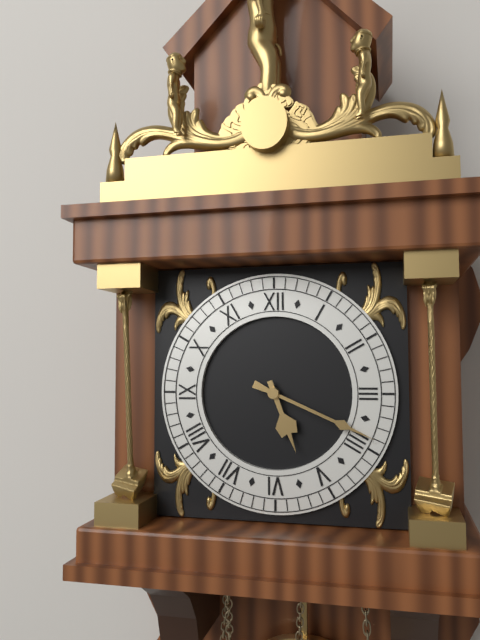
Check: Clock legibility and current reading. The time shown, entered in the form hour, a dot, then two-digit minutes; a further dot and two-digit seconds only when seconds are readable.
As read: 5.19
